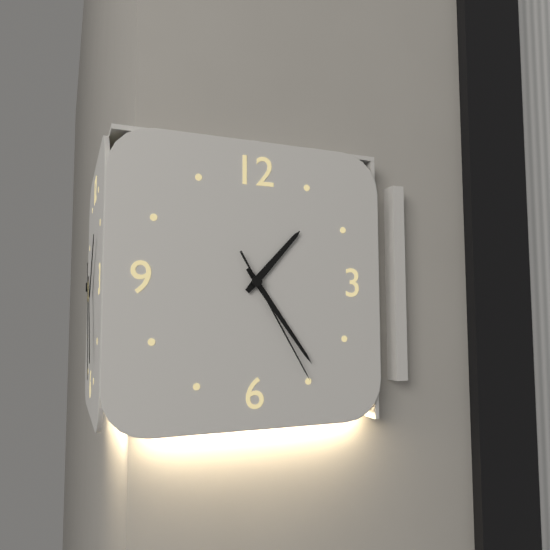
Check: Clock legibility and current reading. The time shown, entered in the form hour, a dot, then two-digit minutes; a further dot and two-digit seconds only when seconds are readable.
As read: 1.24.25
